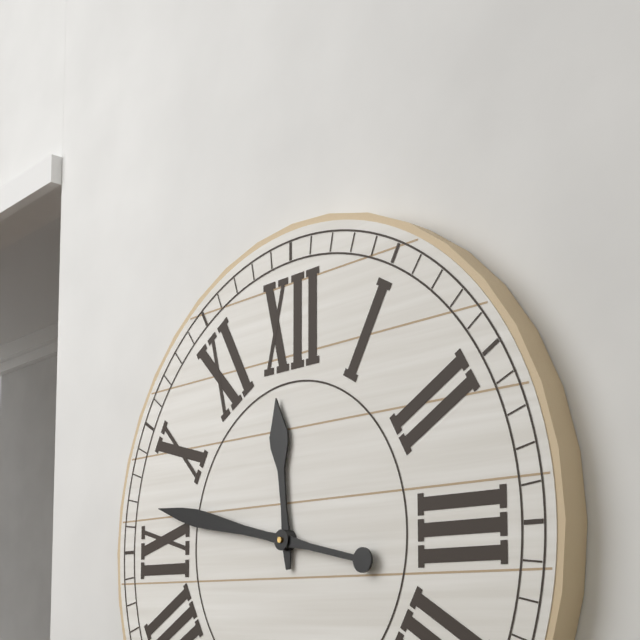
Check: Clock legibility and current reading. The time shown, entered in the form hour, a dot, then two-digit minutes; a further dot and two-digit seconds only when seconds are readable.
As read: 11.47
